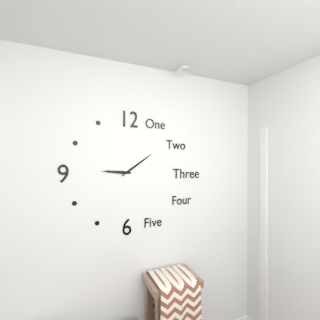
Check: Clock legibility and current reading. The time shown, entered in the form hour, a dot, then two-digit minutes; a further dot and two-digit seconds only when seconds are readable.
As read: 9.09
